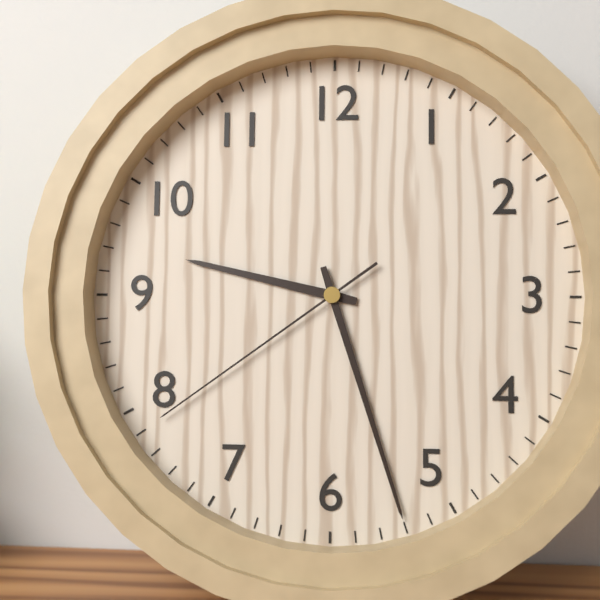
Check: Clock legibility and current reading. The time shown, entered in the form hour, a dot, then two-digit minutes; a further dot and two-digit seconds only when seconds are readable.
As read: 9.27.39
